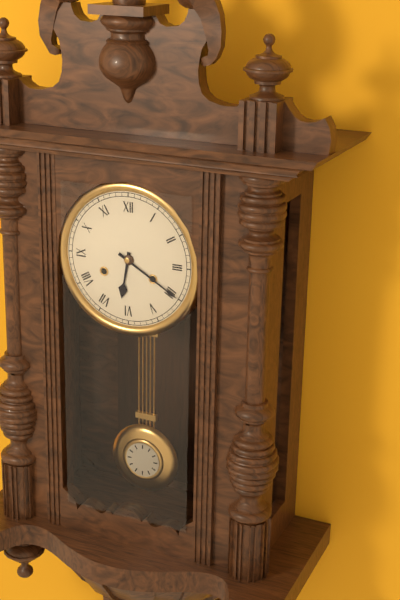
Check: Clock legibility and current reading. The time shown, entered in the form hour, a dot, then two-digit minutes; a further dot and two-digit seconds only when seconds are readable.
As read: 6.20
